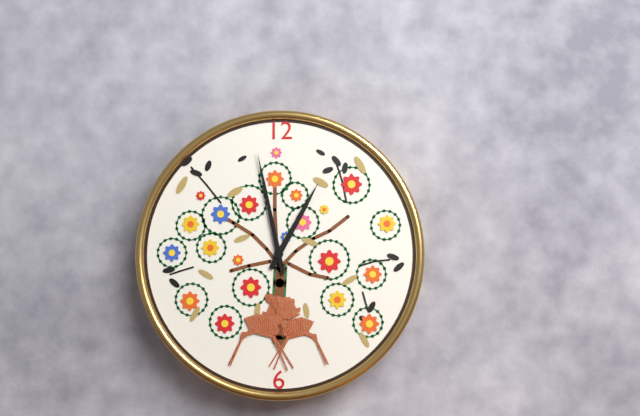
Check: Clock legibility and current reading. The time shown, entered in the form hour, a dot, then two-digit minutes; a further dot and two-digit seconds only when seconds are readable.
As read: 12.58
